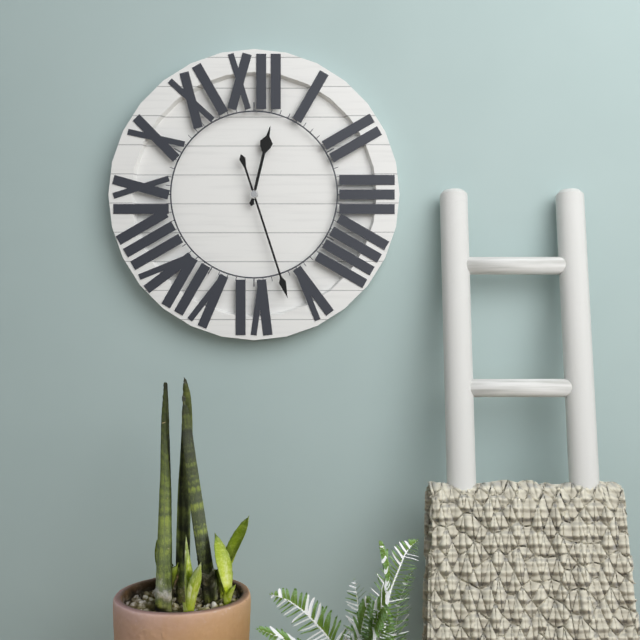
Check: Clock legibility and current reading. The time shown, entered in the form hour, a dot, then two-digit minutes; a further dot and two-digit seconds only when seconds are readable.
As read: 12.27
